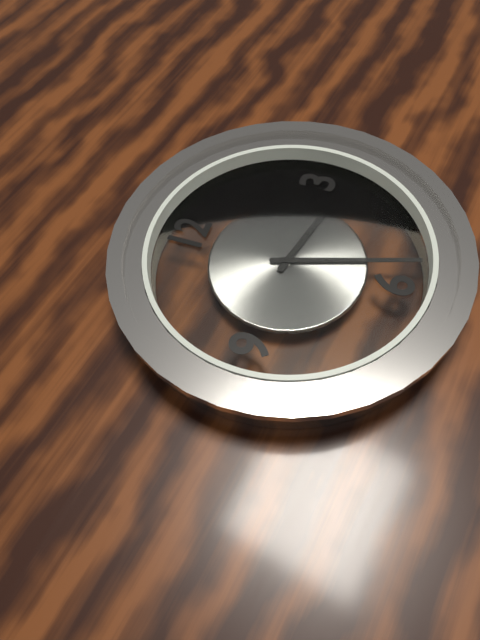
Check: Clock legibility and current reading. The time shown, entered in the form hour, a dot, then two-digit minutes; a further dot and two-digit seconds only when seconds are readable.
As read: 3.27
